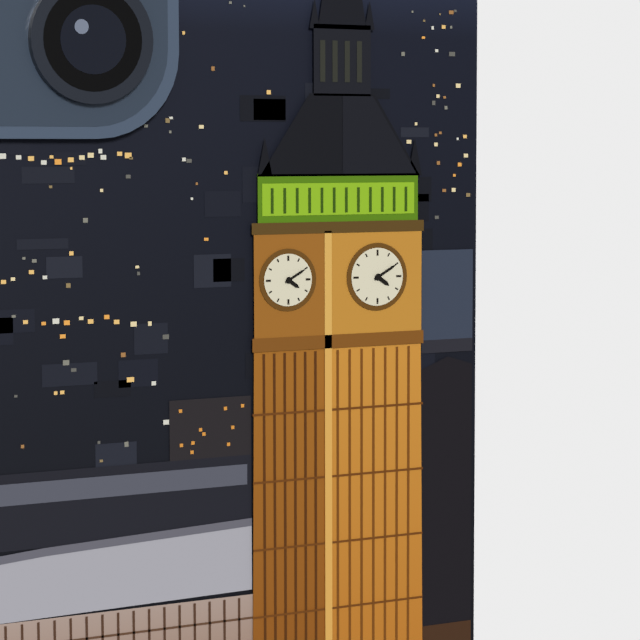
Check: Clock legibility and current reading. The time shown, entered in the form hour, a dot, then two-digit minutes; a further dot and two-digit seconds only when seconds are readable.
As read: 4.10
